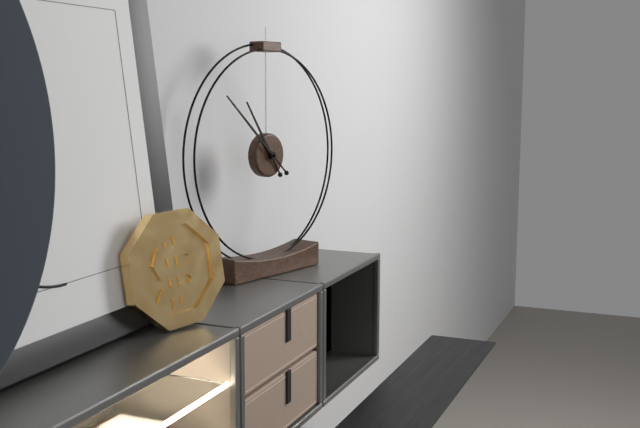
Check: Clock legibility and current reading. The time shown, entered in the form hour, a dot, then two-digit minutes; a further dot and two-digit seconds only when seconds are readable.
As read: 10.52
